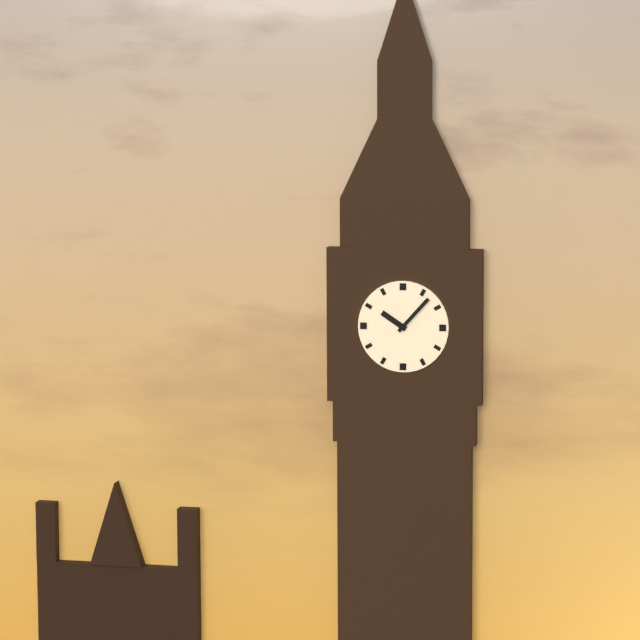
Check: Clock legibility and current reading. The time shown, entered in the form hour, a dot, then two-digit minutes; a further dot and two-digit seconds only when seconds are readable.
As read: 10.07
